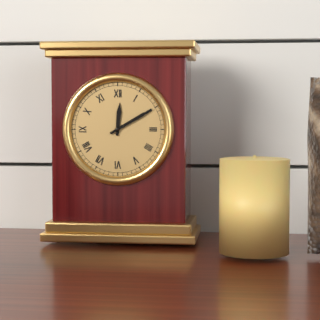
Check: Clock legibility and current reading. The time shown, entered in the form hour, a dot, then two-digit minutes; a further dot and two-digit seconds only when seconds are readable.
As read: 12.10
